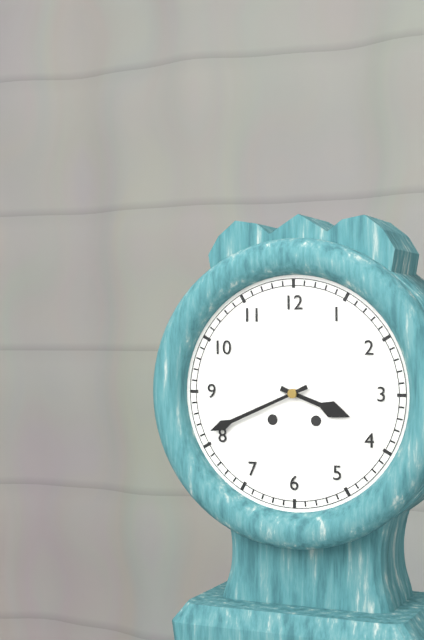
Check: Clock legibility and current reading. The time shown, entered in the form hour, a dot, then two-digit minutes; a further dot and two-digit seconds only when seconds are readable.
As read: 3.41
